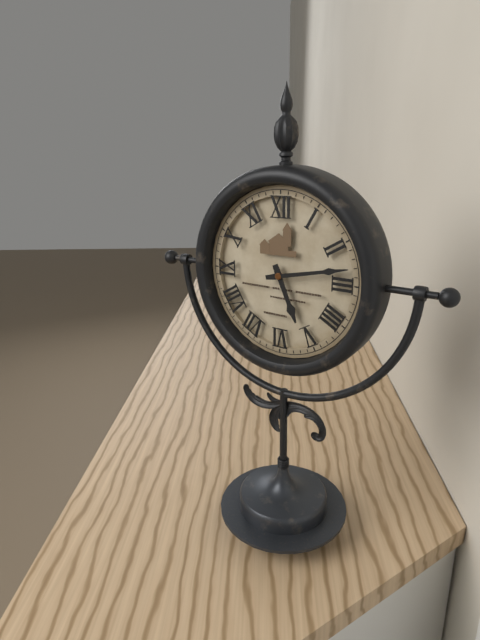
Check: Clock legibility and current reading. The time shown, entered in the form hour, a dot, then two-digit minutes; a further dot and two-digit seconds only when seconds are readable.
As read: 5.13
